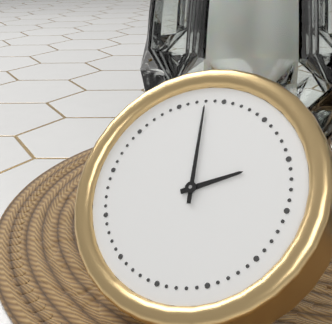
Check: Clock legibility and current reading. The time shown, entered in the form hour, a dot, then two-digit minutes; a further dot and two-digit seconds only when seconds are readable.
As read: 1.58
